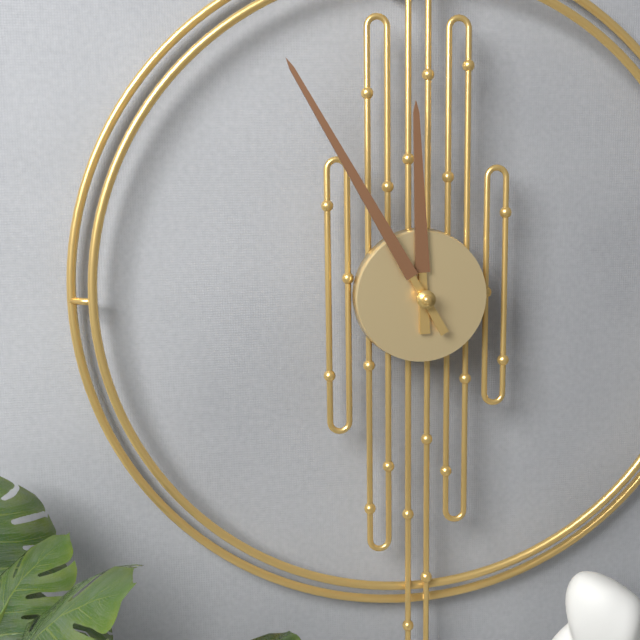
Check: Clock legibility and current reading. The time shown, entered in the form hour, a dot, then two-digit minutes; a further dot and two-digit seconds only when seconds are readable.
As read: 11.55
